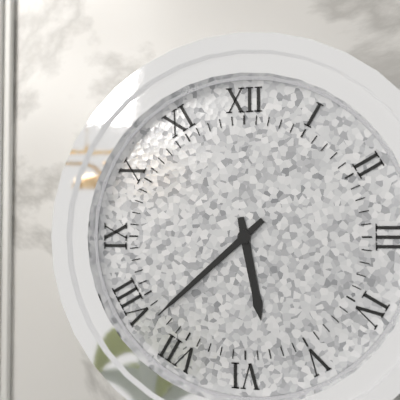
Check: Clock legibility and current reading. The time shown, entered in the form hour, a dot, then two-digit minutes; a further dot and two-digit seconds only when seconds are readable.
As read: 5.38
